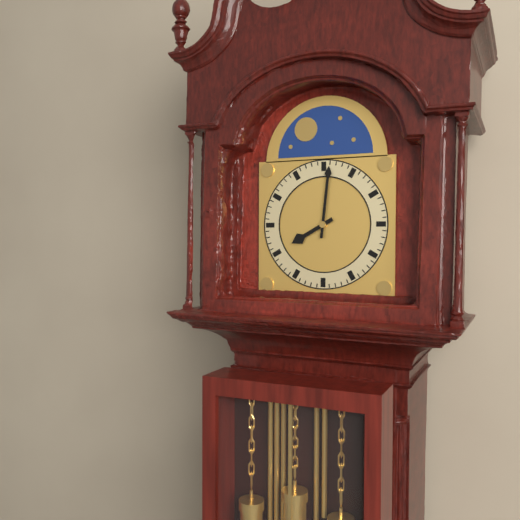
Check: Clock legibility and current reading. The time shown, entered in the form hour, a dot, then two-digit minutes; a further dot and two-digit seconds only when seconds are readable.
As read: 8.01
